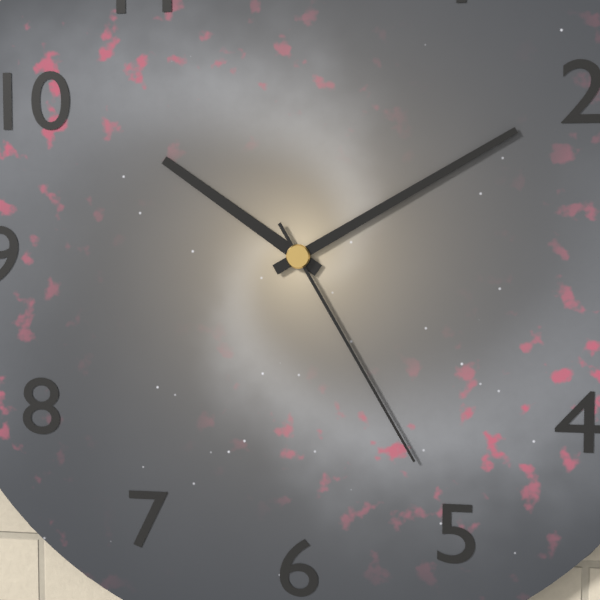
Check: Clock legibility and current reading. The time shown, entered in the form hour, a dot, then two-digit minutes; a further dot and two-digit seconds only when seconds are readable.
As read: 10.10.25
